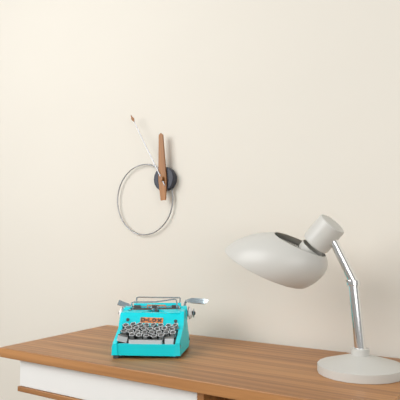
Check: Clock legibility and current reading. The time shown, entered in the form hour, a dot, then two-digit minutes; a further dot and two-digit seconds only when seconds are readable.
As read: 11.55
